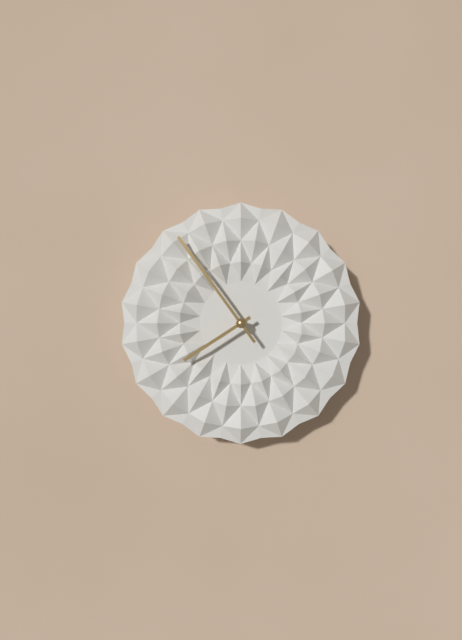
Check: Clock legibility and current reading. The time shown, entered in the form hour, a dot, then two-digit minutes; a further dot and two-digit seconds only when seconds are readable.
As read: 7.54
